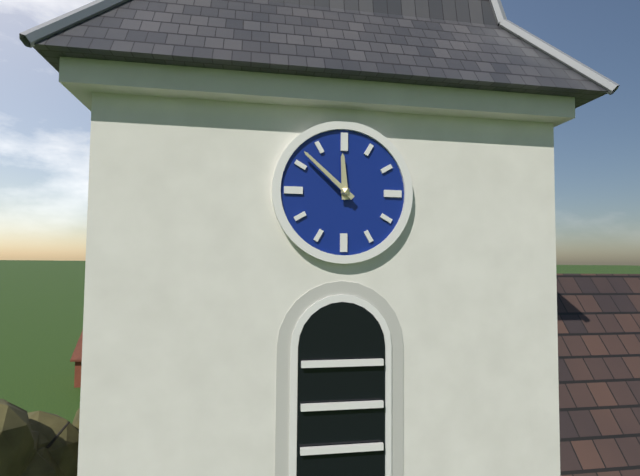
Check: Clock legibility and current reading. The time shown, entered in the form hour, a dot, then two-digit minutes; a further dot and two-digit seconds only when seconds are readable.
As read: 11.52
